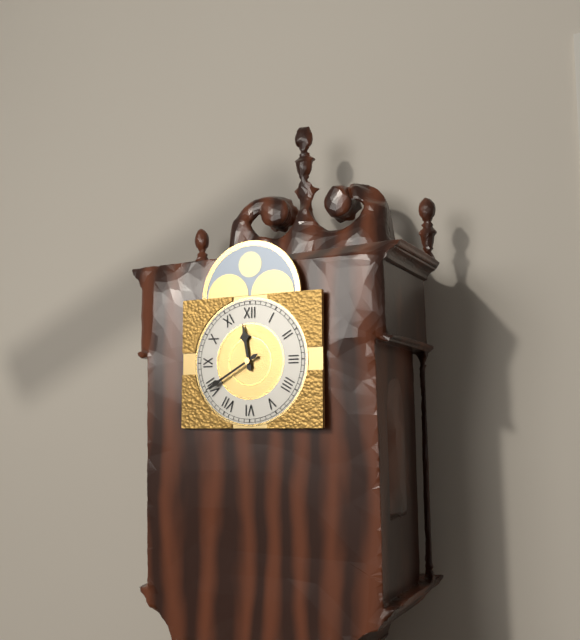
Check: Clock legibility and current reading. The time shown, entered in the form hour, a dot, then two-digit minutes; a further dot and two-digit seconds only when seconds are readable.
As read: 11.40
